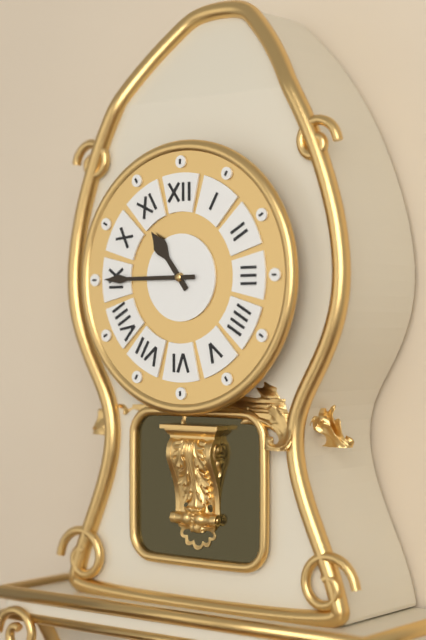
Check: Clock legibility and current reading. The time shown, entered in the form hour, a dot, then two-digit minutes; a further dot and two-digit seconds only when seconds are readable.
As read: 10.45
